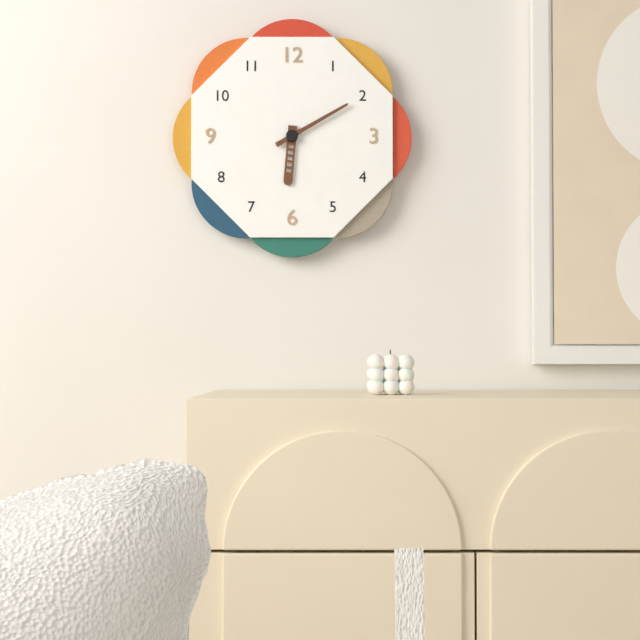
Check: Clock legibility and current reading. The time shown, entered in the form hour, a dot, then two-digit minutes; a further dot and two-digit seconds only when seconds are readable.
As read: 6.10
